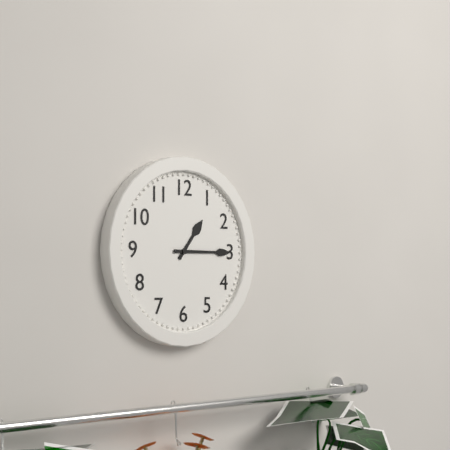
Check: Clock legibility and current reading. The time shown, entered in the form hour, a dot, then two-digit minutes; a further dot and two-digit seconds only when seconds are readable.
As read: 1.15
